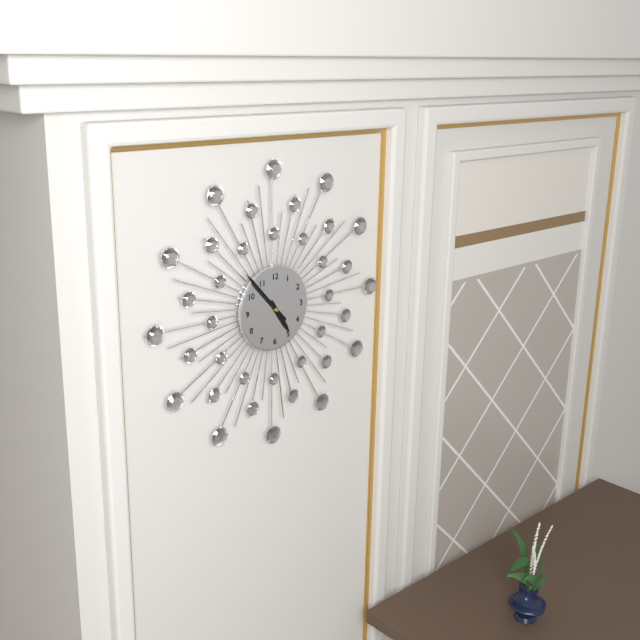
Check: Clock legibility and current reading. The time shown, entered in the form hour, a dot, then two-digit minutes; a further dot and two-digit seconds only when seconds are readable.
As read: 4.53
